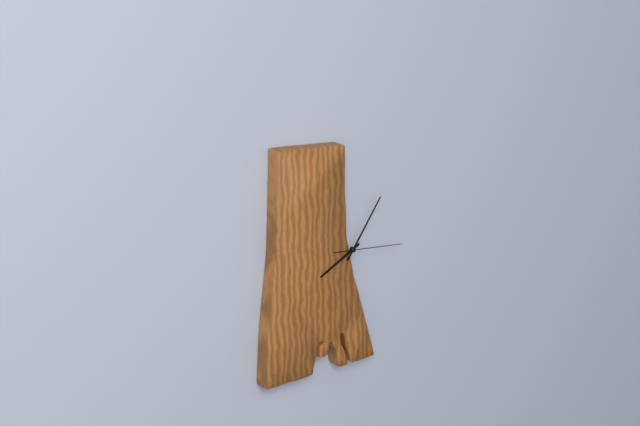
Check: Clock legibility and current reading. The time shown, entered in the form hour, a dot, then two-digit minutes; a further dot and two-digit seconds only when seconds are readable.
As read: 8.06.16
